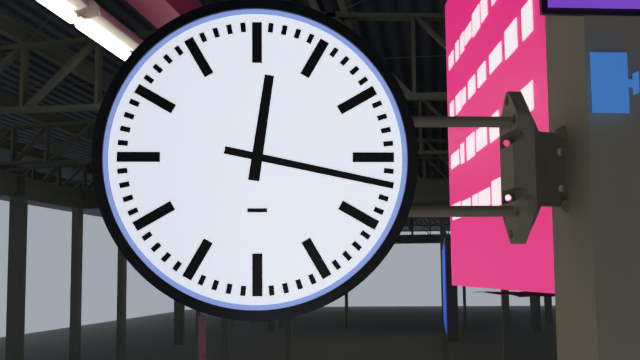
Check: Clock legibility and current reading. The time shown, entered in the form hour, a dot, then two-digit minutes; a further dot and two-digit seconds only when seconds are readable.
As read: 12.17
